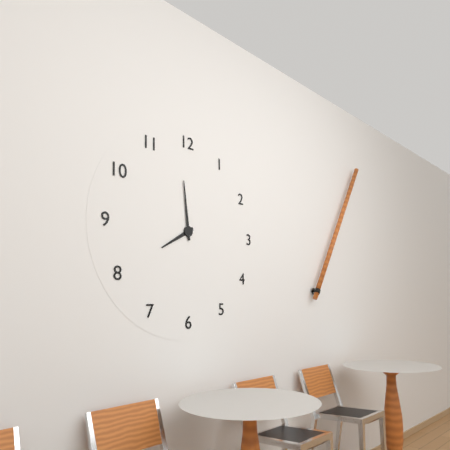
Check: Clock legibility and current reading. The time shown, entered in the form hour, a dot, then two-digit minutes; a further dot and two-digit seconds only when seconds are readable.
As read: 7.59
